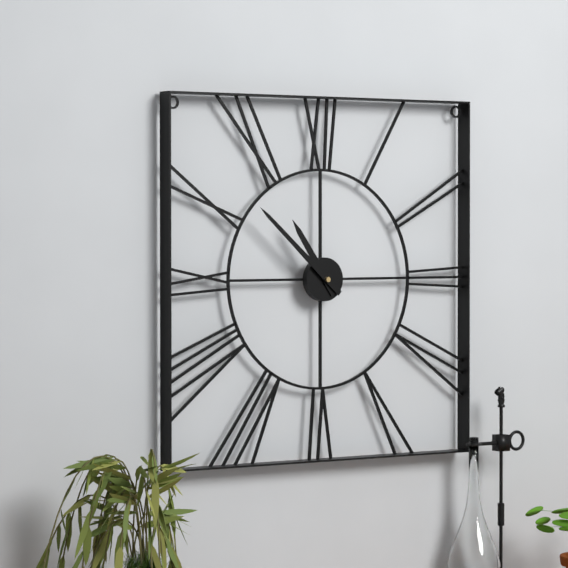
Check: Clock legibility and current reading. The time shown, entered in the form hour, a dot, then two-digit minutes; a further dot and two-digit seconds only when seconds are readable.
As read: 10.52
